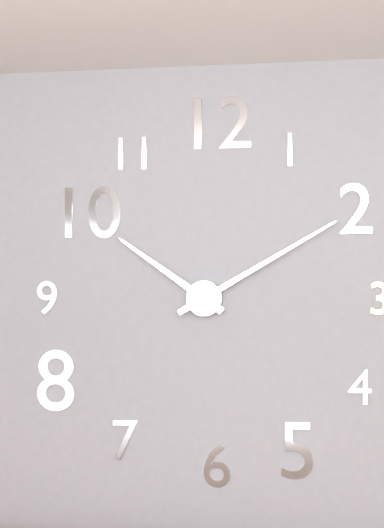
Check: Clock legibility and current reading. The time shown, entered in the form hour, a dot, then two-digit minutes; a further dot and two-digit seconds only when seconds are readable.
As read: 10.10
